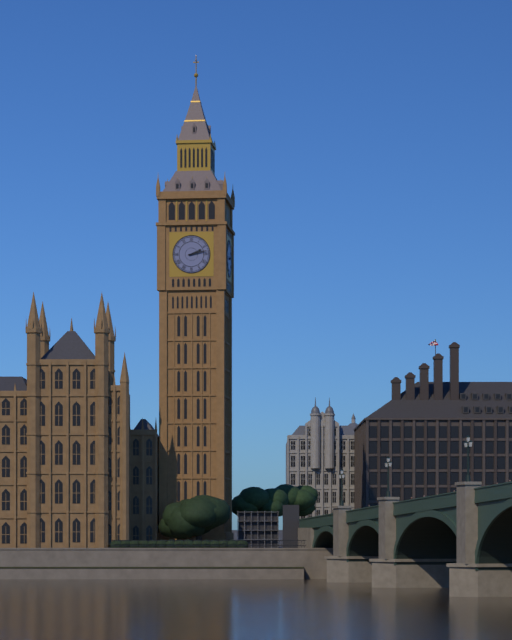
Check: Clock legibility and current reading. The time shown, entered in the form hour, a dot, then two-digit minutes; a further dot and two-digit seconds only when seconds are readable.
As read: 2.13
